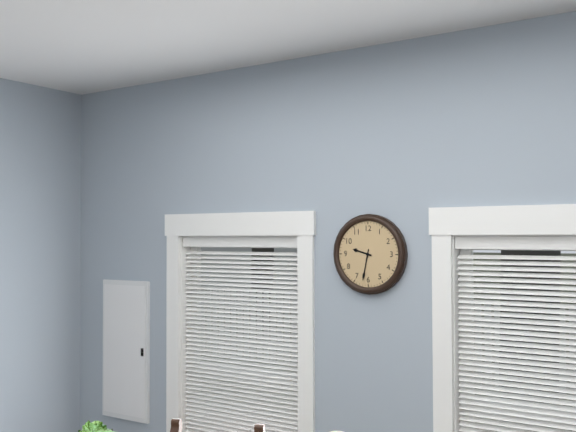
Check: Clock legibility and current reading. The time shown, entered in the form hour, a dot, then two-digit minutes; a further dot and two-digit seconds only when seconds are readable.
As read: 9.32
